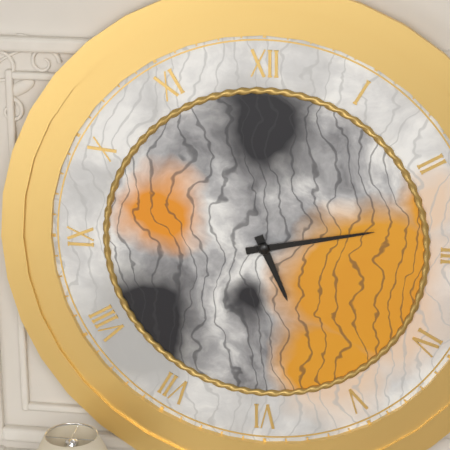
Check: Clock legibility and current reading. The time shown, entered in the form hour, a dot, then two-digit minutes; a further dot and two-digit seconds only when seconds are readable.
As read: 5.13
